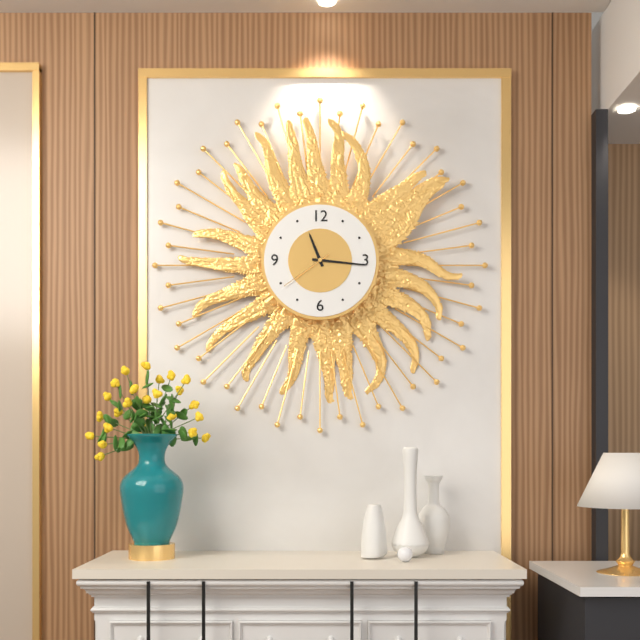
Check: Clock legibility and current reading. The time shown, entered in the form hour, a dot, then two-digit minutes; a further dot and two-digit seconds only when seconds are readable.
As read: 11.16.39
